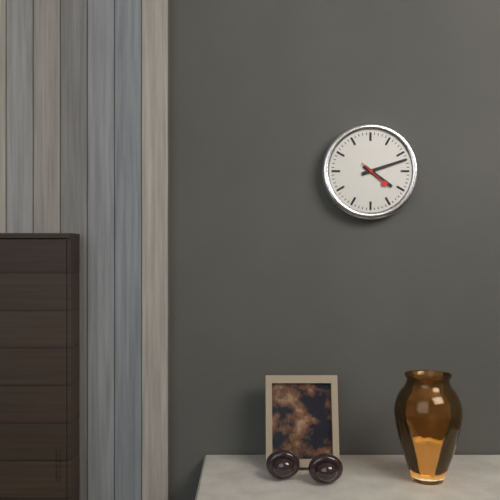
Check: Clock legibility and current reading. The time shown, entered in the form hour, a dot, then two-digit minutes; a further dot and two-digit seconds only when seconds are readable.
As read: 4.12
